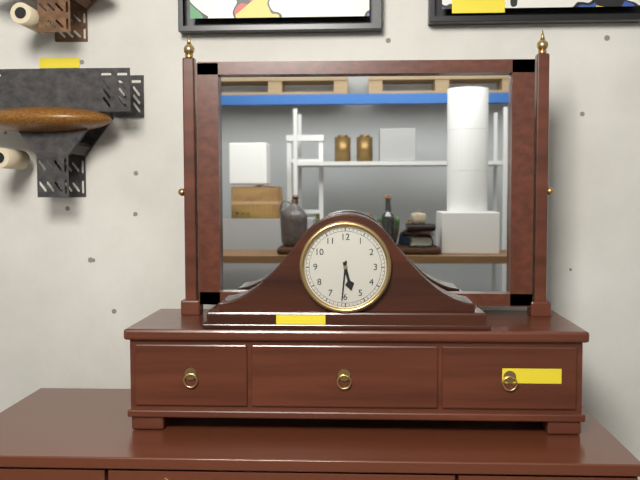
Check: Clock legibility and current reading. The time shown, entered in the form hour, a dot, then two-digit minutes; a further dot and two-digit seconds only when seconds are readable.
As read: 5.31
